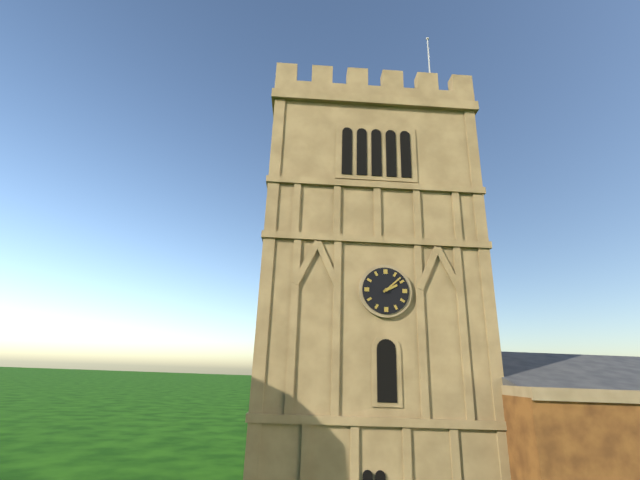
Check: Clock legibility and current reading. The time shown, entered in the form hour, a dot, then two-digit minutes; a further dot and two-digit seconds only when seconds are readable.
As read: 2.08
